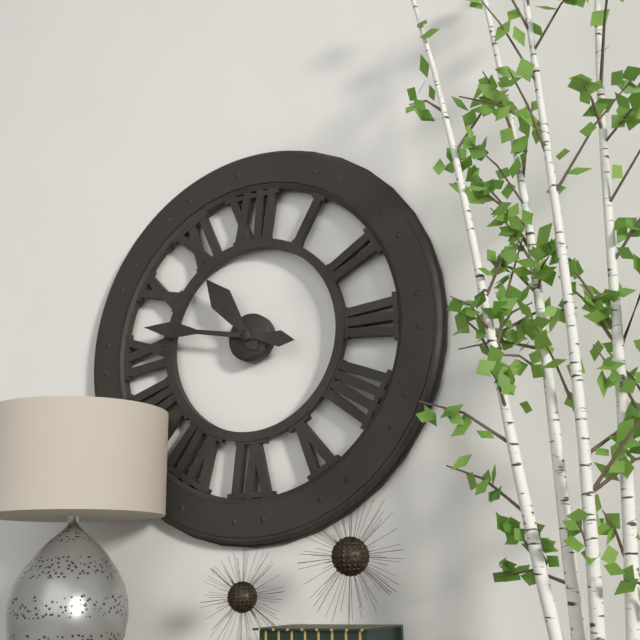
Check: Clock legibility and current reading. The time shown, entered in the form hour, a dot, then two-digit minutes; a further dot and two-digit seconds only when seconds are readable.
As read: 10.47
